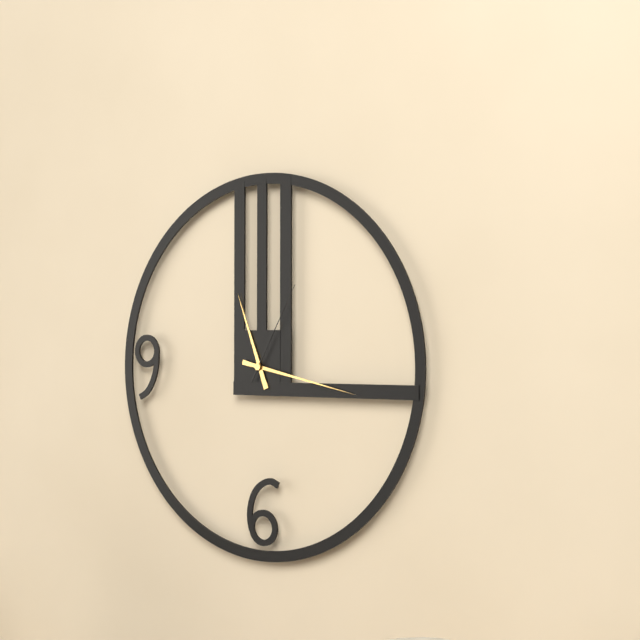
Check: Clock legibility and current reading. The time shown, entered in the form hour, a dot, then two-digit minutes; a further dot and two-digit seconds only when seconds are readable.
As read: 11.17.05
